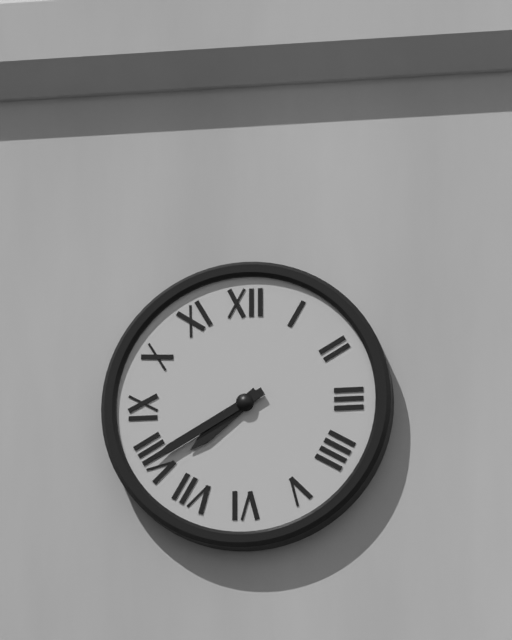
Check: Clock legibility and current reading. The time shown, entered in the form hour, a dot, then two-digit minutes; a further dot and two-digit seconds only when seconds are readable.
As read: 7.40
